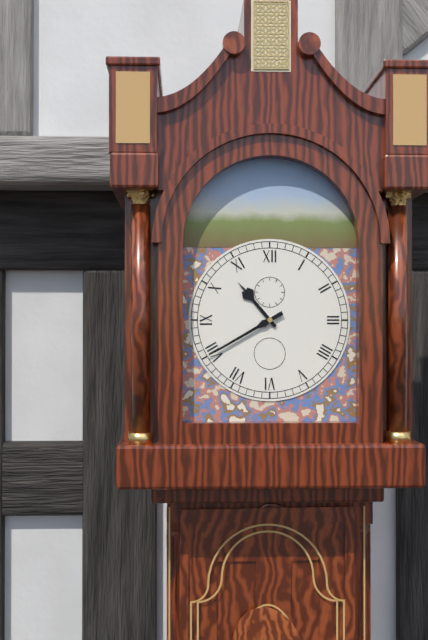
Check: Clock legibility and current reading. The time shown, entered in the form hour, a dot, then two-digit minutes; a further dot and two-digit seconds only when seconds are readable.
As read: 10.40
